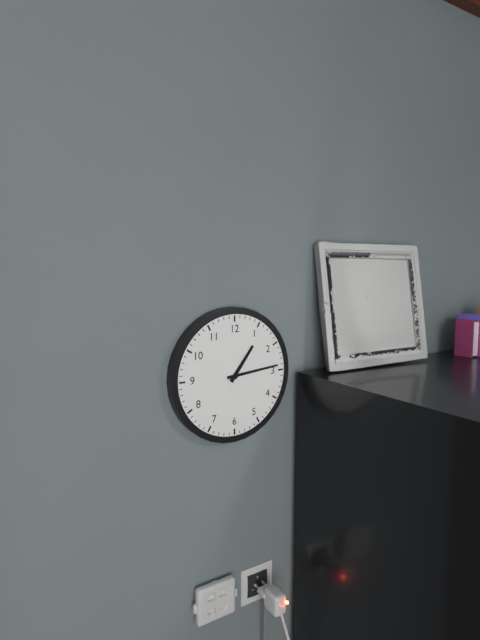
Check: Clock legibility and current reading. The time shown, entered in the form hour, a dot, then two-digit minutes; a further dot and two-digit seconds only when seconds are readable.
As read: 1.14
